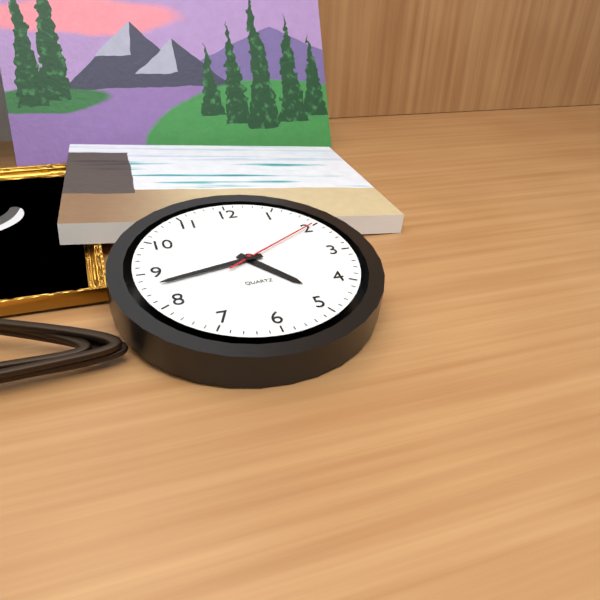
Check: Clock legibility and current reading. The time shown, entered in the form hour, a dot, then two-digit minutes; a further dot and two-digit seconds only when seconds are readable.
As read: 4.43.10
